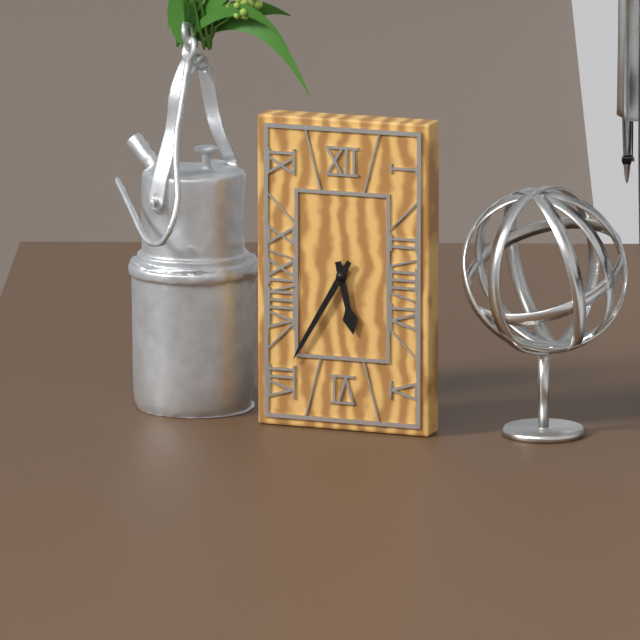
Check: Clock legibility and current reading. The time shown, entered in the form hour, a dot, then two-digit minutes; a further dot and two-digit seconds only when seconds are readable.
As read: 5.35
